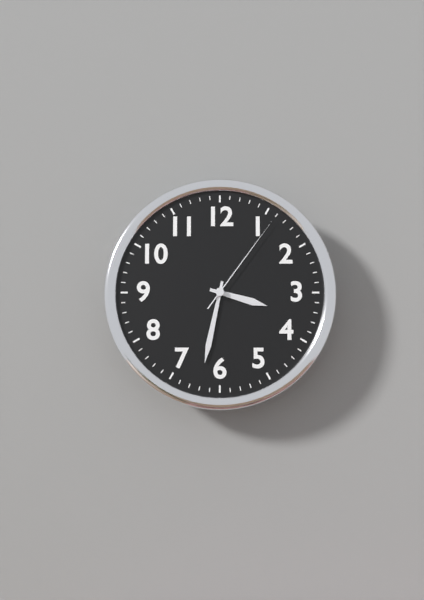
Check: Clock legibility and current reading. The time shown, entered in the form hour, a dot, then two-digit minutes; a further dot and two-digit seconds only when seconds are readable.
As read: 3.32.06
